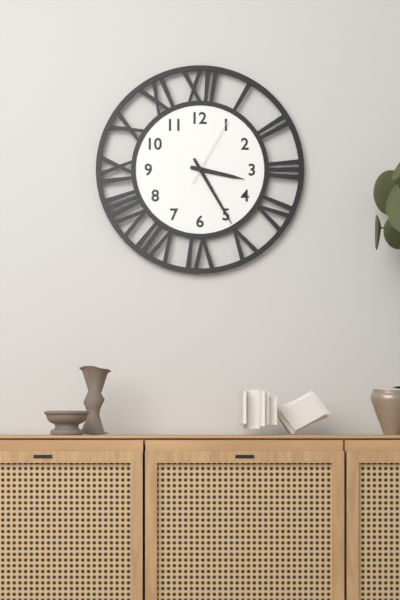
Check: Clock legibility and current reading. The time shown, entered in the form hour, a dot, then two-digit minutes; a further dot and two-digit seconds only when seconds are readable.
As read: 3.25.05
